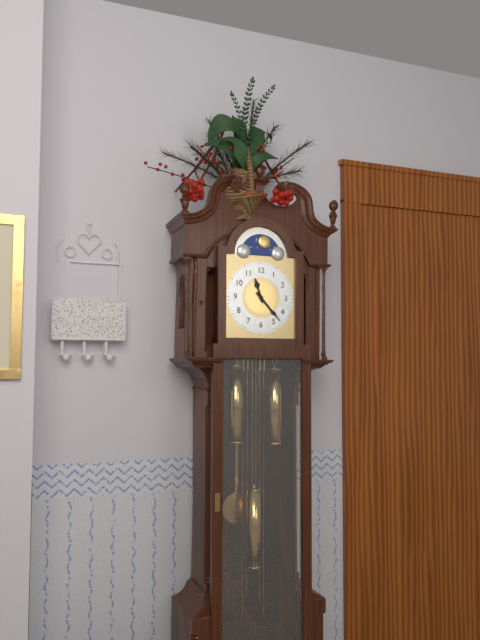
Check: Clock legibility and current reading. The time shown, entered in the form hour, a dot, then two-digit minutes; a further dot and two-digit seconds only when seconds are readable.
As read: 11.23
